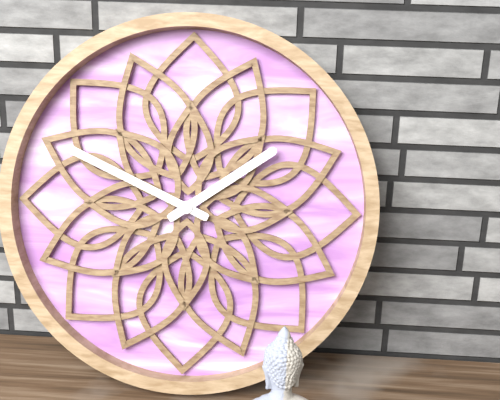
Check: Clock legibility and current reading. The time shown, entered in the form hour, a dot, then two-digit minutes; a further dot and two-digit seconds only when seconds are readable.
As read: 1.49
